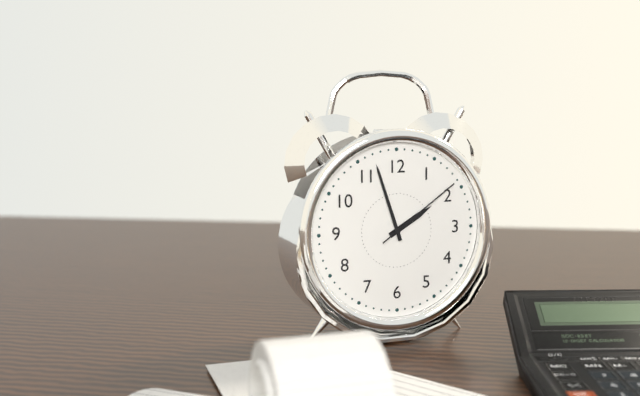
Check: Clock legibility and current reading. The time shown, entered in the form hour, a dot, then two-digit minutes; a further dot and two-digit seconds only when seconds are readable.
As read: 1.57.09
